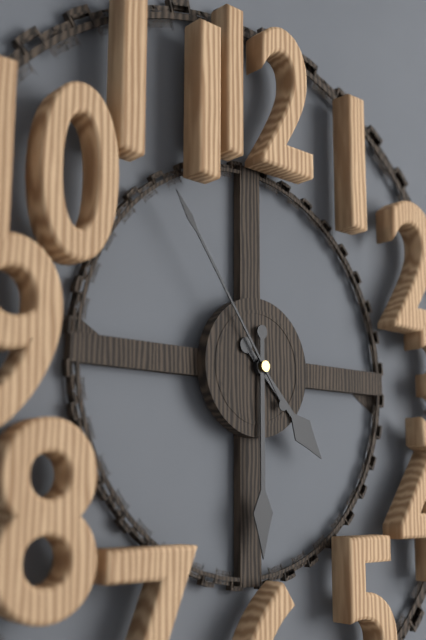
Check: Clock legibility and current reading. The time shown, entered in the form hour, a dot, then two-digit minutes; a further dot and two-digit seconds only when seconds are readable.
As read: 4.30.54
